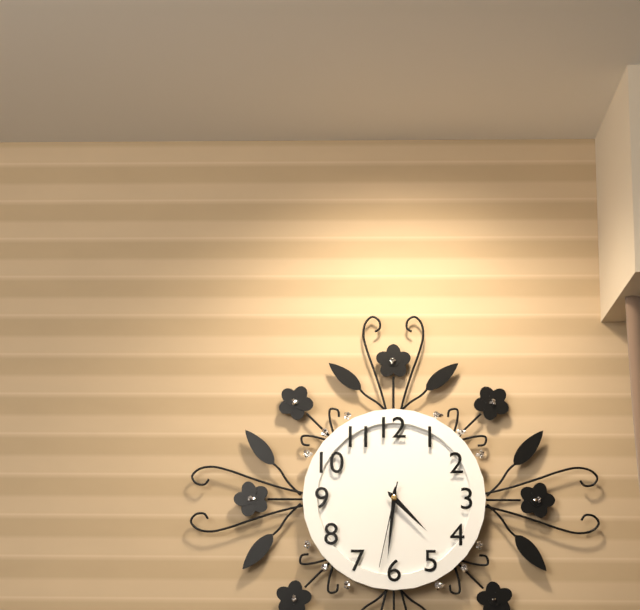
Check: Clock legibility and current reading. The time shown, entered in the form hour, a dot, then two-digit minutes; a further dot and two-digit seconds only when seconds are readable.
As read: 4.31.32
